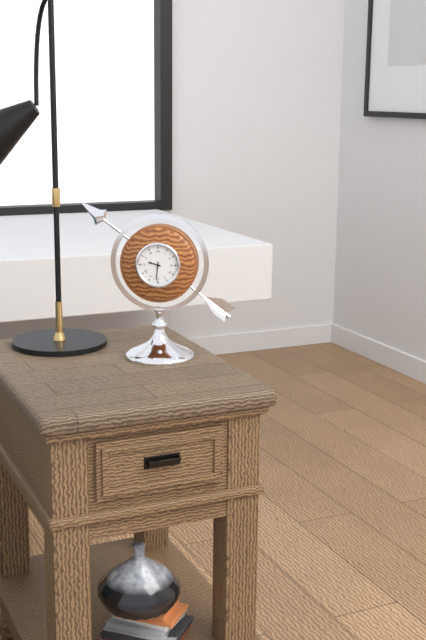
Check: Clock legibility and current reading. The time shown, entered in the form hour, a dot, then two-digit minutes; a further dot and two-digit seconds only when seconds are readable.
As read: 9.31
